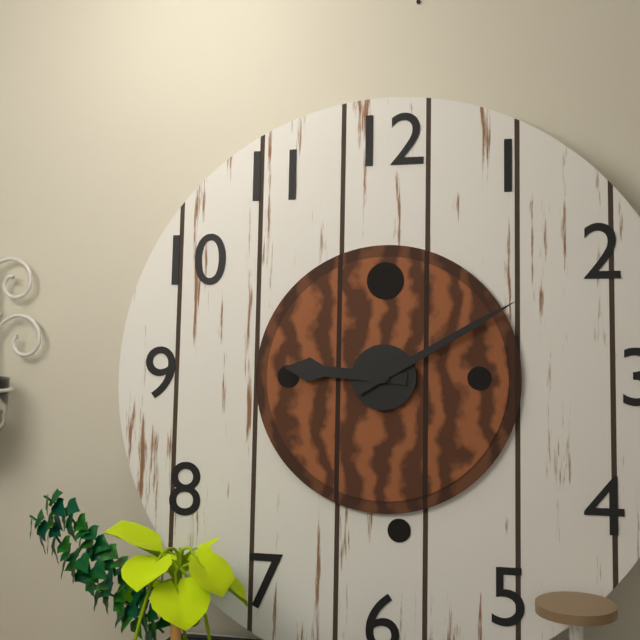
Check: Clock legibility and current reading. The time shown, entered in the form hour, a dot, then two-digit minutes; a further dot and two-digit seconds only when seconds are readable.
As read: 9.10
